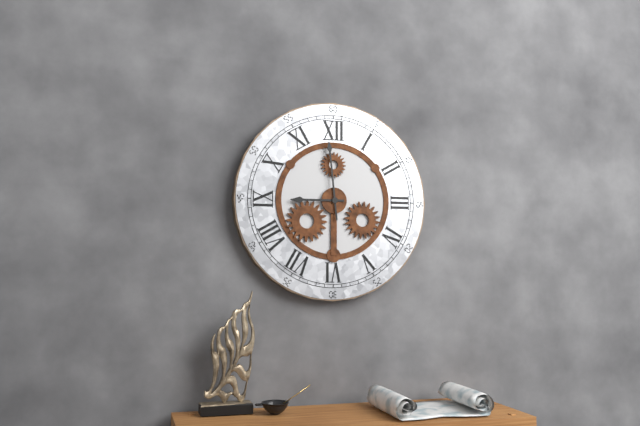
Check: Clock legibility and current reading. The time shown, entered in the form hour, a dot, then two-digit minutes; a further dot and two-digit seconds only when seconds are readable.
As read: 8.59
